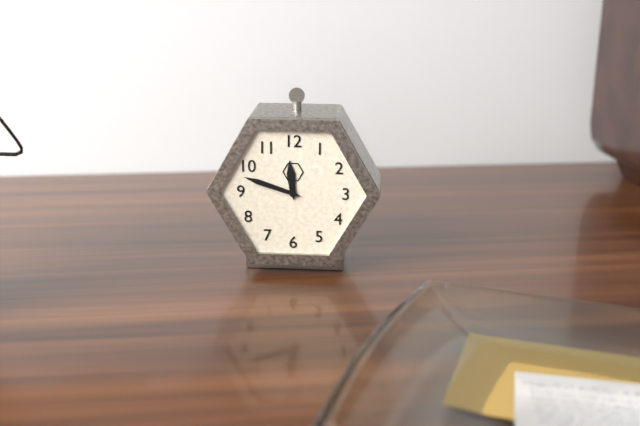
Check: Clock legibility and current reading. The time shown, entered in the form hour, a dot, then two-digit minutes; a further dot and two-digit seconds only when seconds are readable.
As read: 11.48
